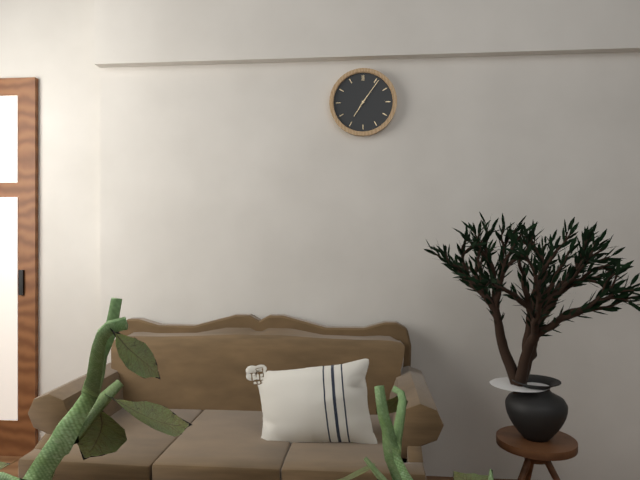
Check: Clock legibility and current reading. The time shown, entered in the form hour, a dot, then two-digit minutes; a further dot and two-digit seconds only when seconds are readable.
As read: 7.06
